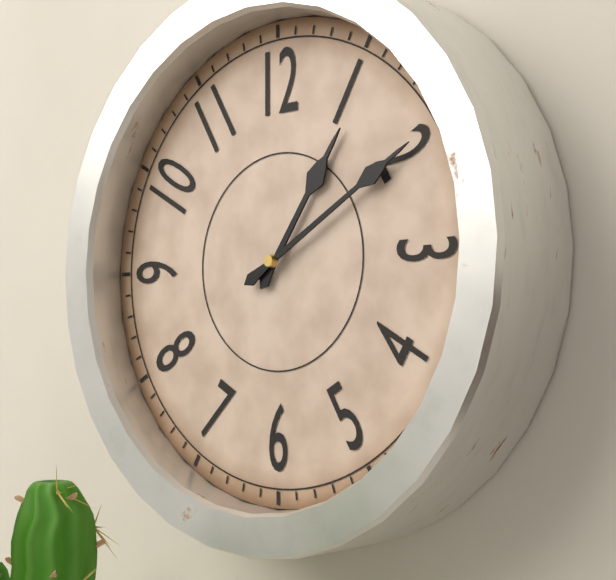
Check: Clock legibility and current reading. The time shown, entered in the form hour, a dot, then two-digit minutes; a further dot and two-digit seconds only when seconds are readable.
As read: 1.10
